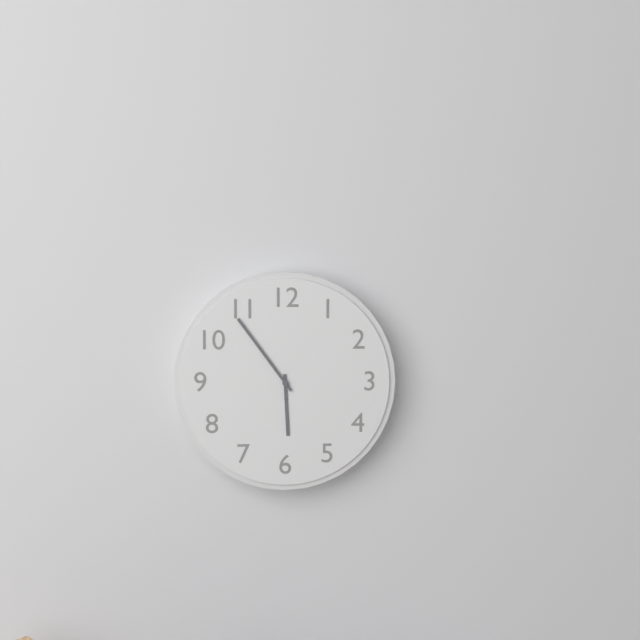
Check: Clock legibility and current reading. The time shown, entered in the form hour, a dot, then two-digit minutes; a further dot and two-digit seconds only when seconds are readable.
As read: 5.54
